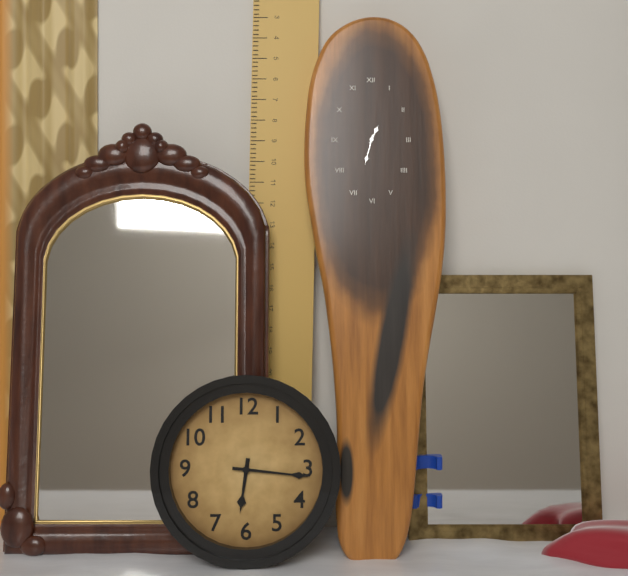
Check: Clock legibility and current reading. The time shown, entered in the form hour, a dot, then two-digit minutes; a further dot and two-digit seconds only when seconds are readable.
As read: 6.16
